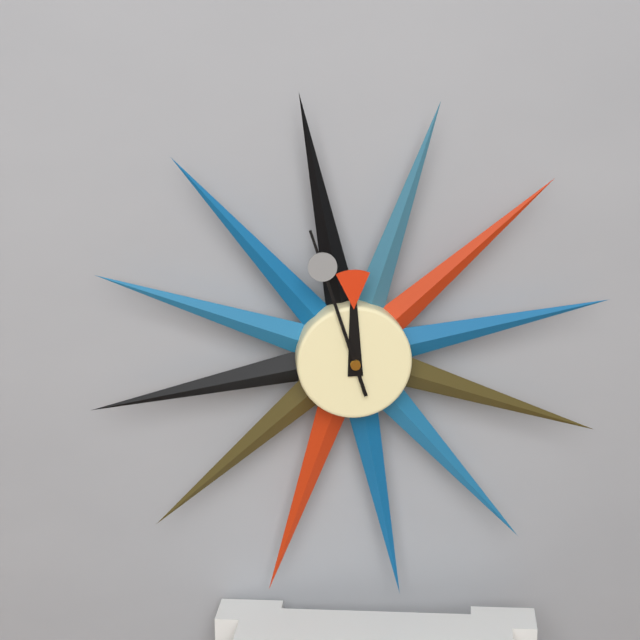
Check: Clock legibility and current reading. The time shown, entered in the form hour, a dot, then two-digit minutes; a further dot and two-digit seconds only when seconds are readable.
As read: 11.57
